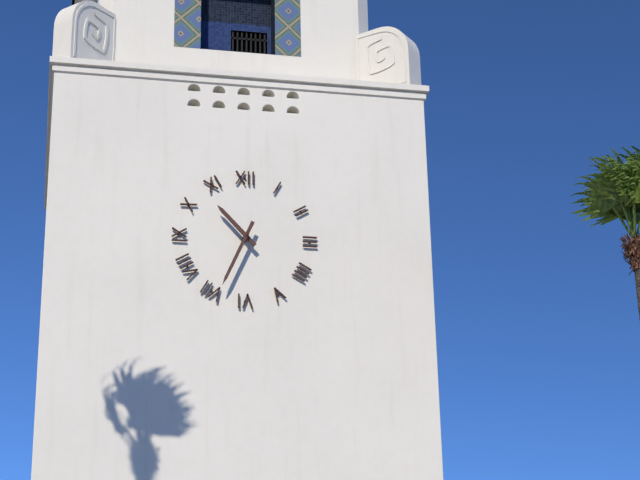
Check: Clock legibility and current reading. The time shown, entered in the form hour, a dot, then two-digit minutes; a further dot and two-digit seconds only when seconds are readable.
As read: 10.34
